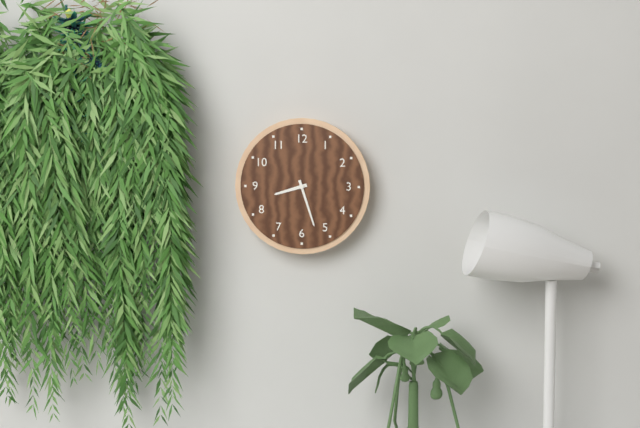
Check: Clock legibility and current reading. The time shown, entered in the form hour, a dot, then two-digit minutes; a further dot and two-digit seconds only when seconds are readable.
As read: 8.27
